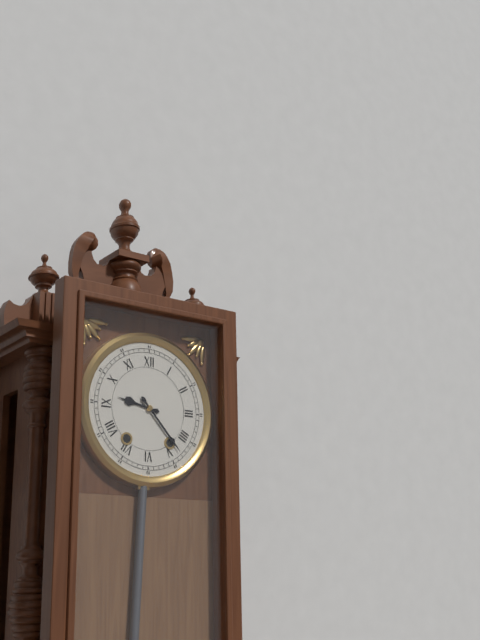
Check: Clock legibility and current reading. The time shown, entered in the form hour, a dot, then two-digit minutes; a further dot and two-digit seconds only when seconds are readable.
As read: 9.23
